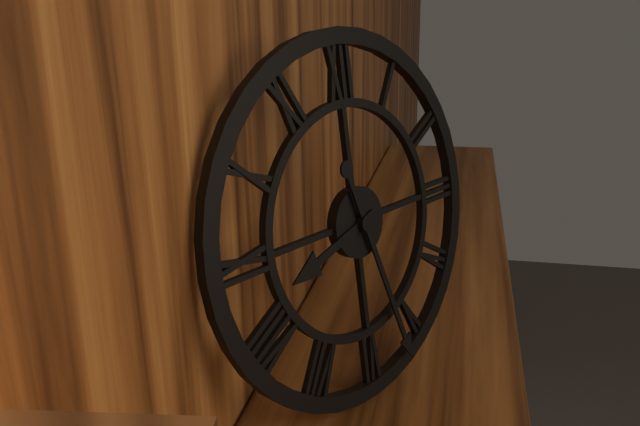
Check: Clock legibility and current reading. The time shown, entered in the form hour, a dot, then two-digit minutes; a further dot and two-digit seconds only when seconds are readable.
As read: 8.27
